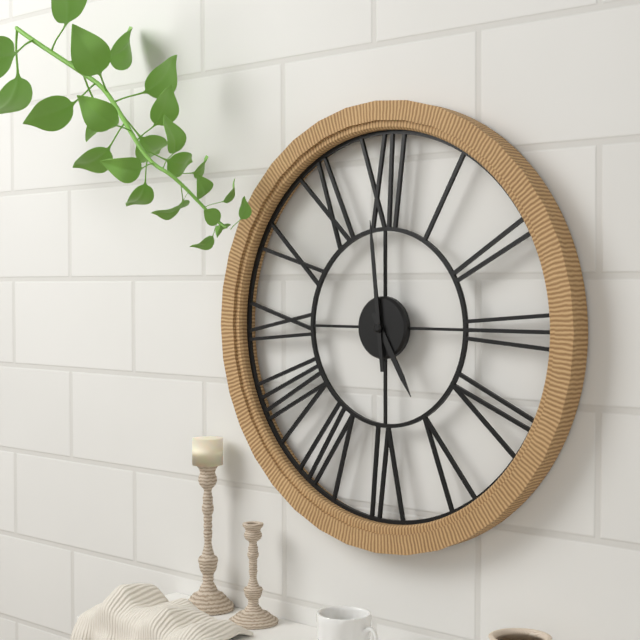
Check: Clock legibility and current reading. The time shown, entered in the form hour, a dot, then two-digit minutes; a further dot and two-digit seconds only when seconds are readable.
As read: 4.59
